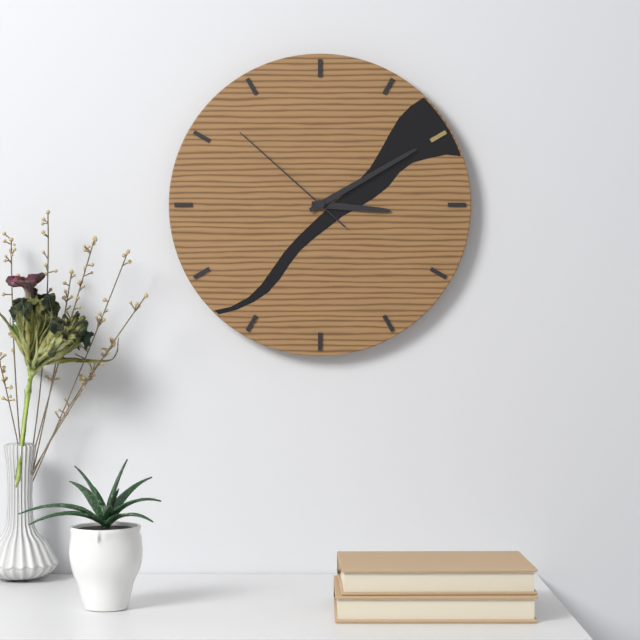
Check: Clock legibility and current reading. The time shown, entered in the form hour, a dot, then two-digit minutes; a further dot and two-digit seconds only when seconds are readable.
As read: 3.10.52
